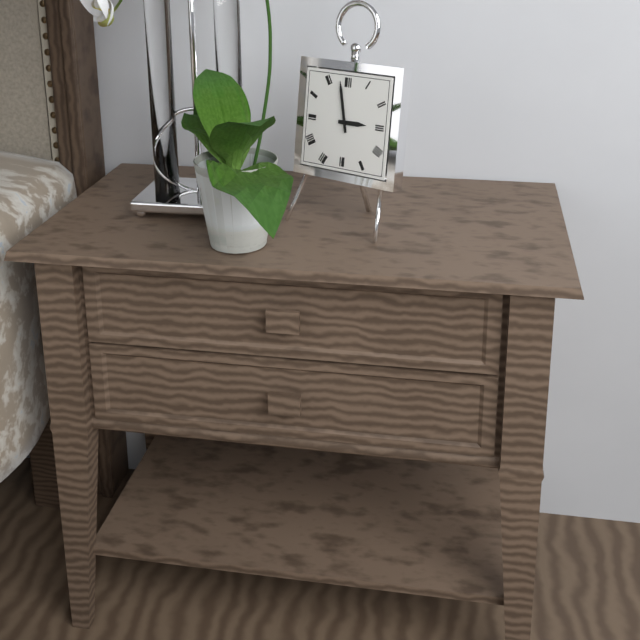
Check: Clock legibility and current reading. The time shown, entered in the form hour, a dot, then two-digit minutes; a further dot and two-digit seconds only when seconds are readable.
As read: 2.58
